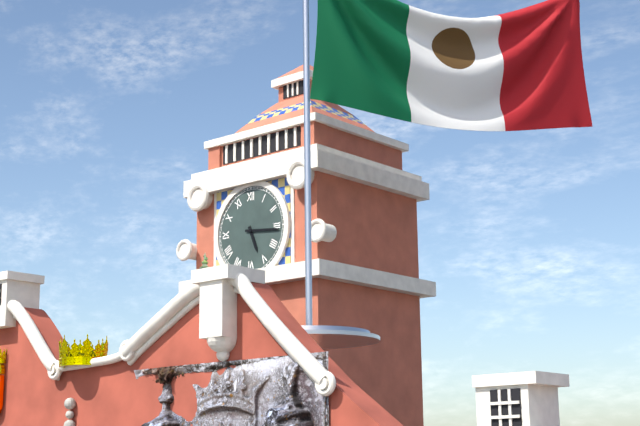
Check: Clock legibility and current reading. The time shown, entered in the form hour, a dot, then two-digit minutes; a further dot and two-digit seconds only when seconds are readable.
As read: 5.16
